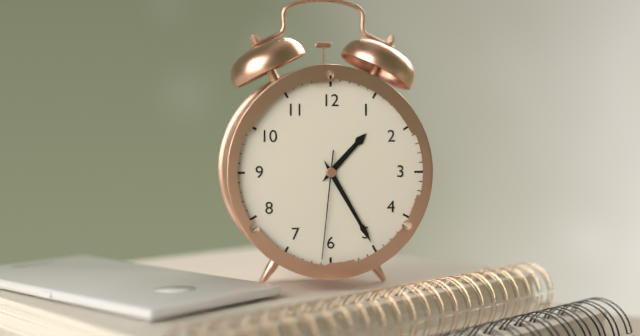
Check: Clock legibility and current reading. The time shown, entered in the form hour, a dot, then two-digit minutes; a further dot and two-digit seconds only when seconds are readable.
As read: 1.25.31
